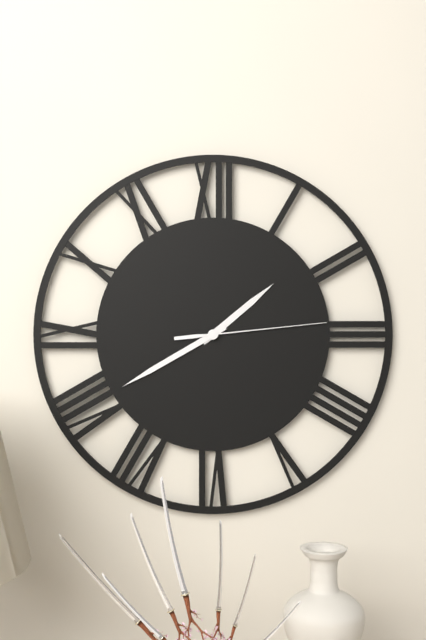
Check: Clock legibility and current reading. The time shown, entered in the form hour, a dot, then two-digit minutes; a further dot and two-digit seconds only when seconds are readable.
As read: 1.40.14
